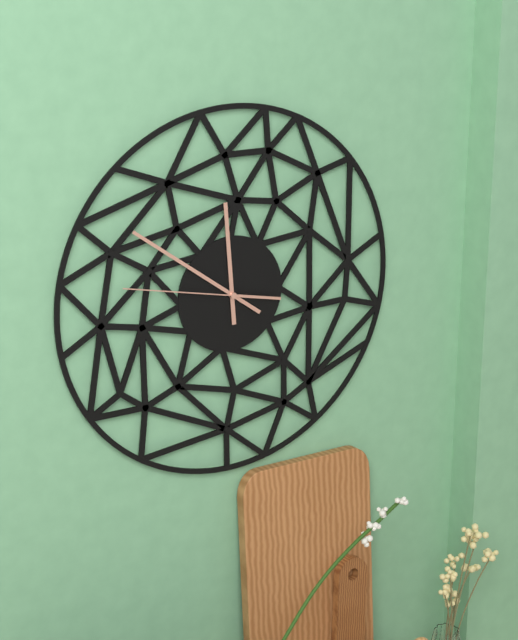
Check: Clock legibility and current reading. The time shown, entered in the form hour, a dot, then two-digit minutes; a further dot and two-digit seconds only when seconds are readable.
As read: 11.51.47
